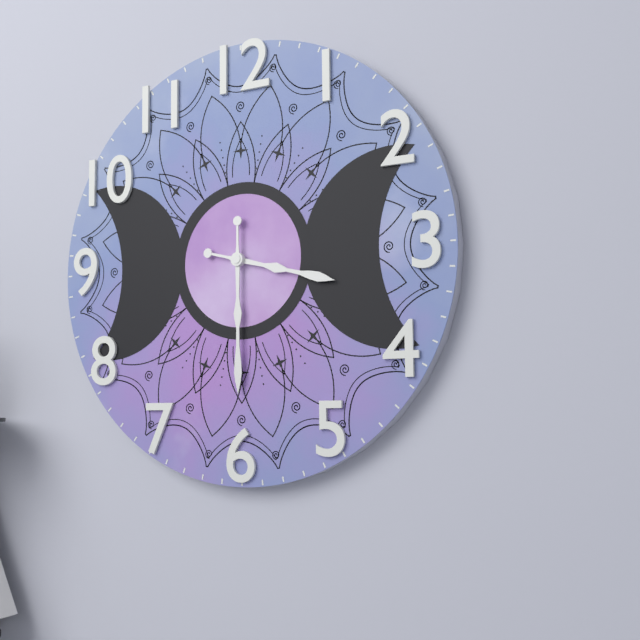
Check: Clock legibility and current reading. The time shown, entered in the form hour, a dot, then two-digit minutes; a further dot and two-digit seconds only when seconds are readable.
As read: 3.30
